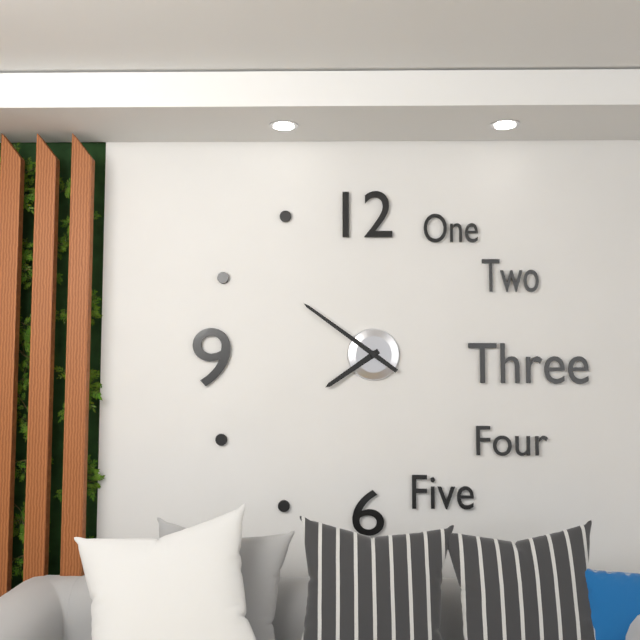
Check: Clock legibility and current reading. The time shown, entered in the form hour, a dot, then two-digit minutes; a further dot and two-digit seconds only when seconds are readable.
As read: 7.51
